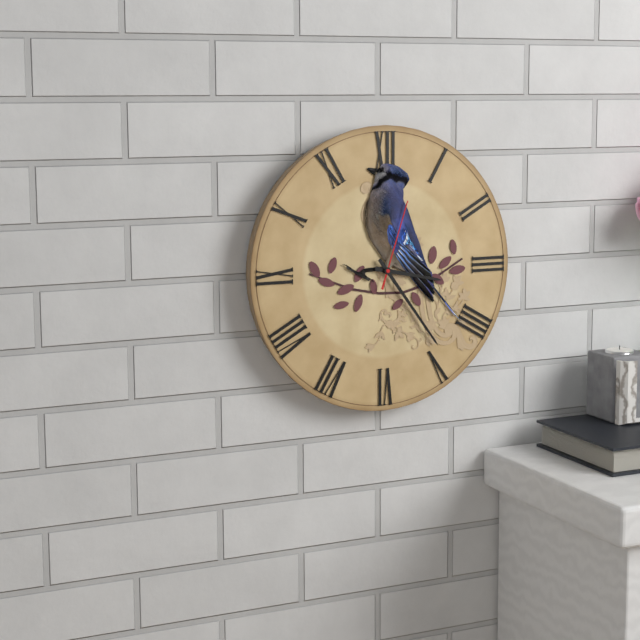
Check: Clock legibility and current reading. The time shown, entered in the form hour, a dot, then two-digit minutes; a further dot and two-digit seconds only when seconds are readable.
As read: 3.24.03
